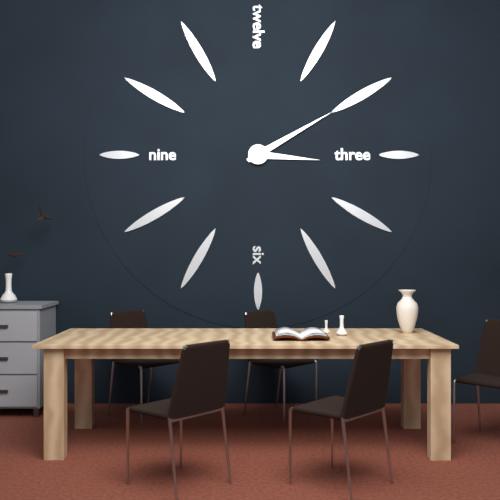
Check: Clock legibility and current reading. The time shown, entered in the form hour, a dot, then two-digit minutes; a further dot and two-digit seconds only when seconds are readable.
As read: 3.10
